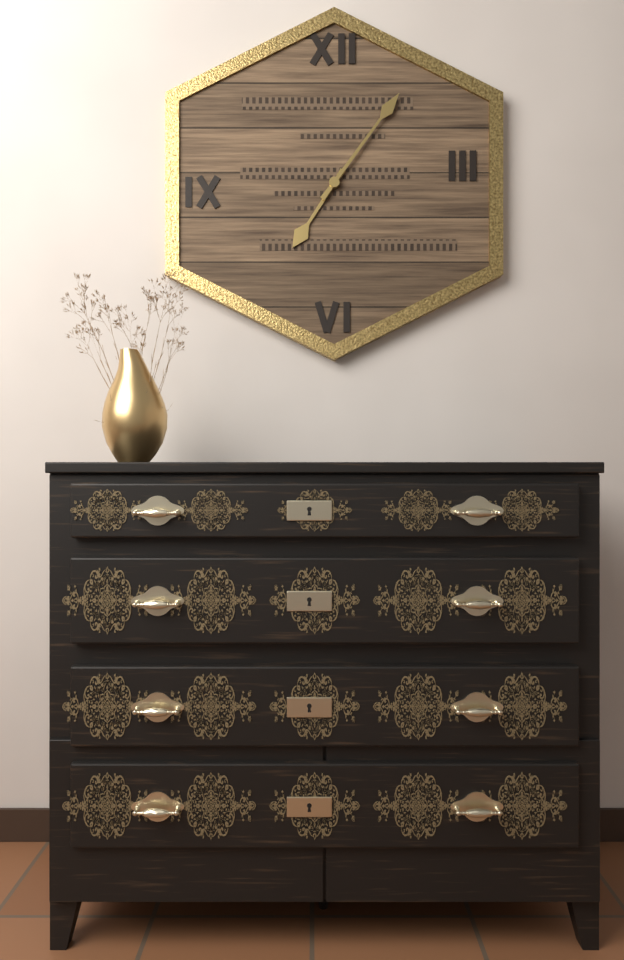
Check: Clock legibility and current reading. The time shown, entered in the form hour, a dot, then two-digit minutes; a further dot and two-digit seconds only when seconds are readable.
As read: 7.06
